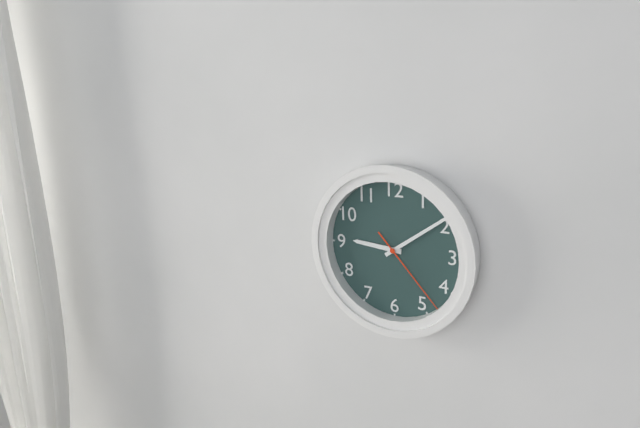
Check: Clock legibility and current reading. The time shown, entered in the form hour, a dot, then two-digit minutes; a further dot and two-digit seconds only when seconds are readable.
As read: 9.09.23
